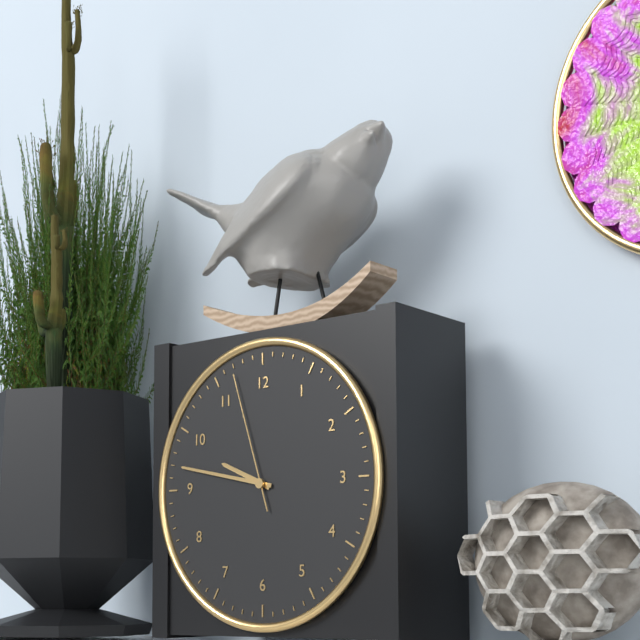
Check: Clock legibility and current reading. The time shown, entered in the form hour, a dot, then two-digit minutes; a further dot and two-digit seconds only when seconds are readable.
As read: 9.47.57
